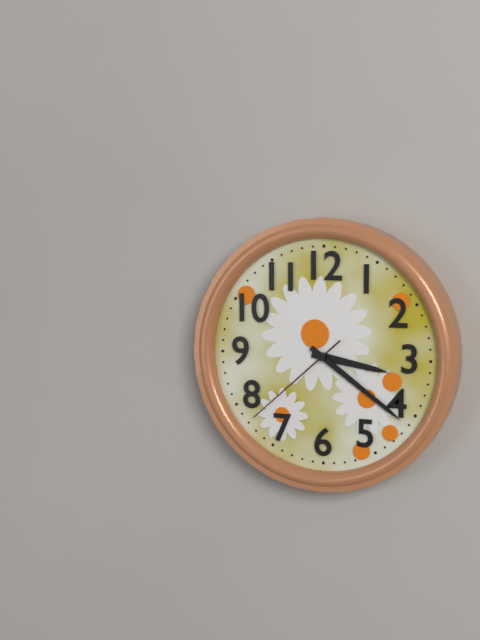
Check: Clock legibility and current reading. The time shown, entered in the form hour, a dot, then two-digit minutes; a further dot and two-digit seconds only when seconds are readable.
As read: 3.21.38
